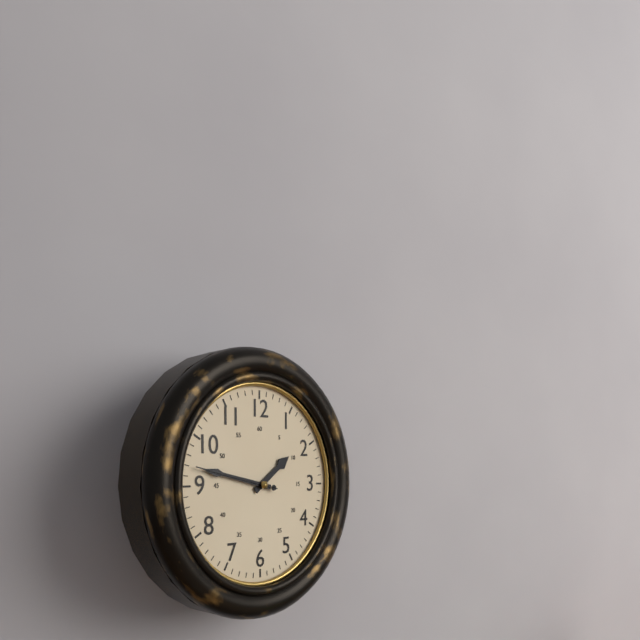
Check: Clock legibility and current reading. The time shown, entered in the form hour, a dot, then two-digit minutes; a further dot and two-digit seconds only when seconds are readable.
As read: 1.47.47
